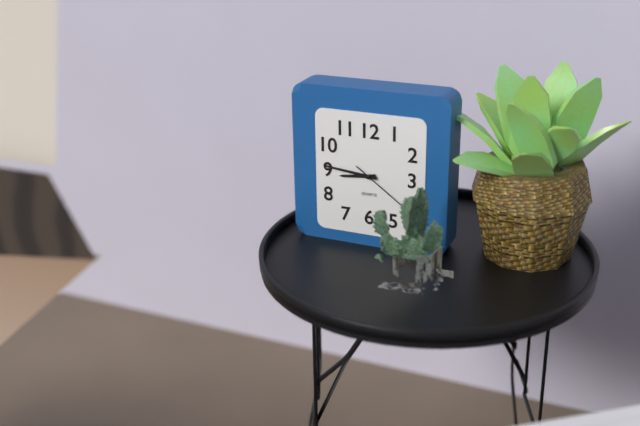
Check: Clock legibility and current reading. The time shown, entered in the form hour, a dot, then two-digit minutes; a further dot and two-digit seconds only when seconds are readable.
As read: 8.46.21
